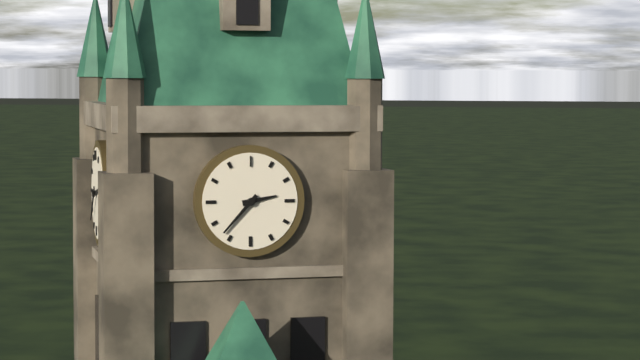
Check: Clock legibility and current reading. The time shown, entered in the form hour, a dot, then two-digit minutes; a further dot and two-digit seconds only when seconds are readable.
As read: 2.37
